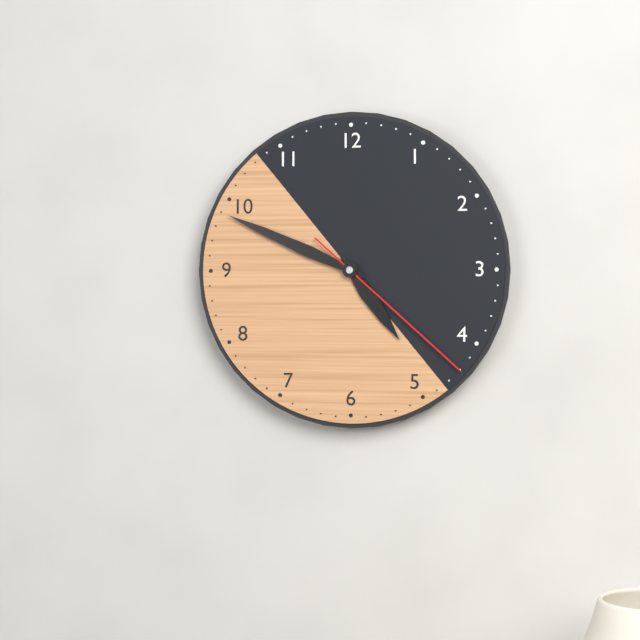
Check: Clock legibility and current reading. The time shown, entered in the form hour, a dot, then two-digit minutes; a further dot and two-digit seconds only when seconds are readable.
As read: 4.49.22
